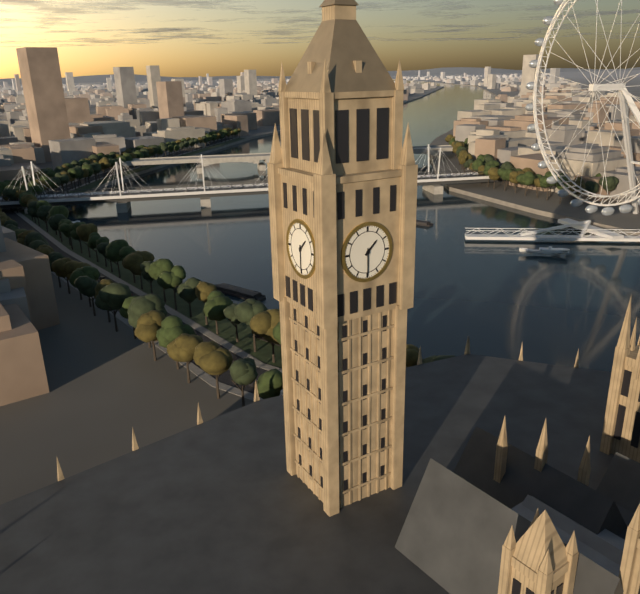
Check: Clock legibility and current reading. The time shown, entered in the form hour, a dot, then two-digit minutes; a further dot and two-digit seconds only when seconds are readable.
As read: 1.30
